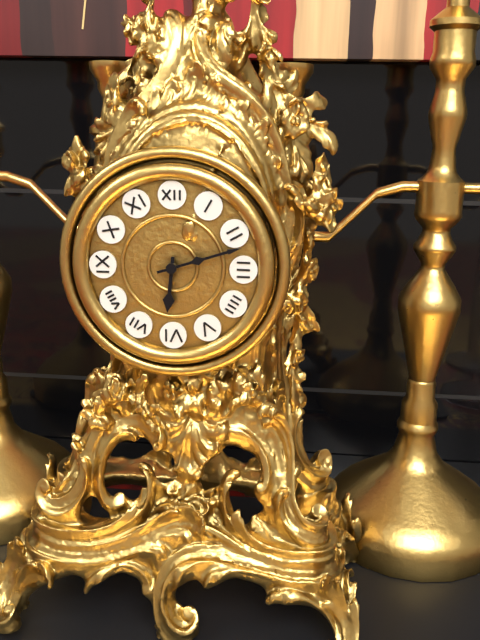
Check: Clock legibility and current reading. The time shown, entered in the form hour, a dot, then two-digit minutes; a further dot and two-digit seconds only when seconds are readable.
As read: 6.12
